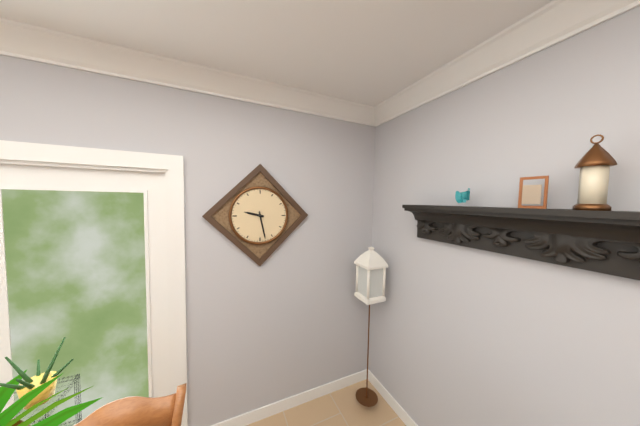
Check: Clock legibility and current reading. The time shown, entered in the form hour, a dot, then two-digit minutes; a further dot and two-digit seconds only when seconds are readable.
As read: 9.28
